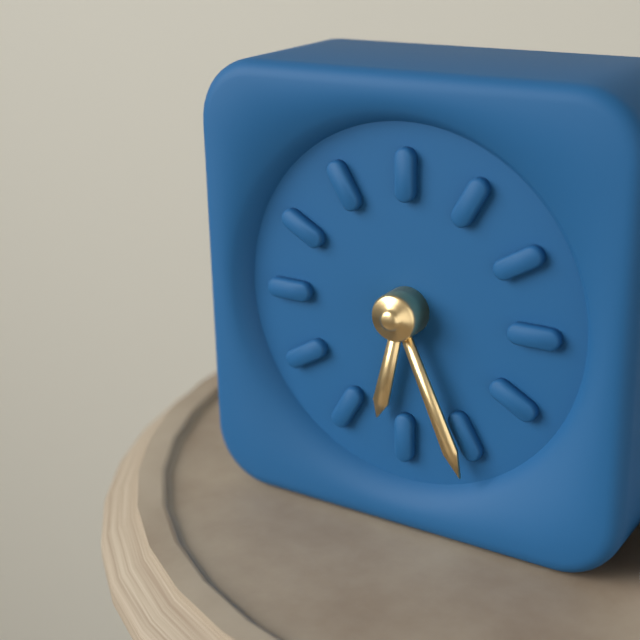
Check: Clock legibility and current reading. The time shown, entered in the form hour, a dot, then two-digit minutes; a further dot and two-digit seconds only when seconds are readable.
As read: 6.26
